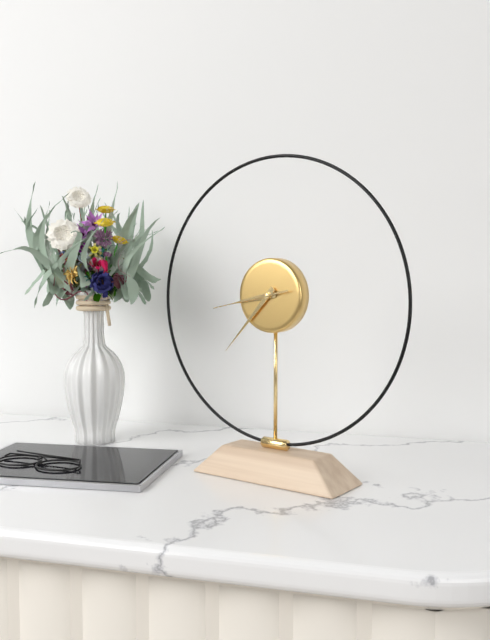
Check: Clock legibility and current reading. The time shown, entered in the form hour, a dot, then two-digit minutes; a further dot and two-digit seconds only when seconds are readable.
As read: 8.37.43
